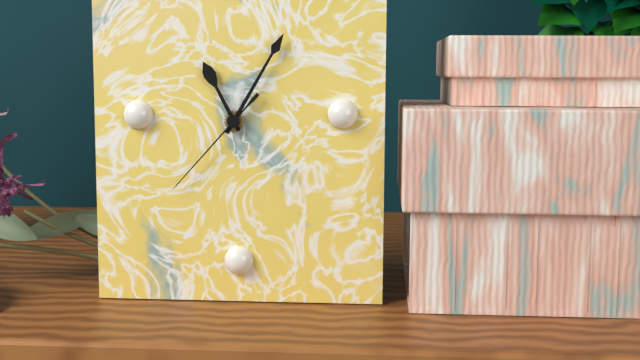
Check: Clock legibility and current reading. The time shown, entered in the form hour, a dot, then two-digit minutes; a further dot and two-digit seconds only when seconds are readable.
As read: 11.05.37
